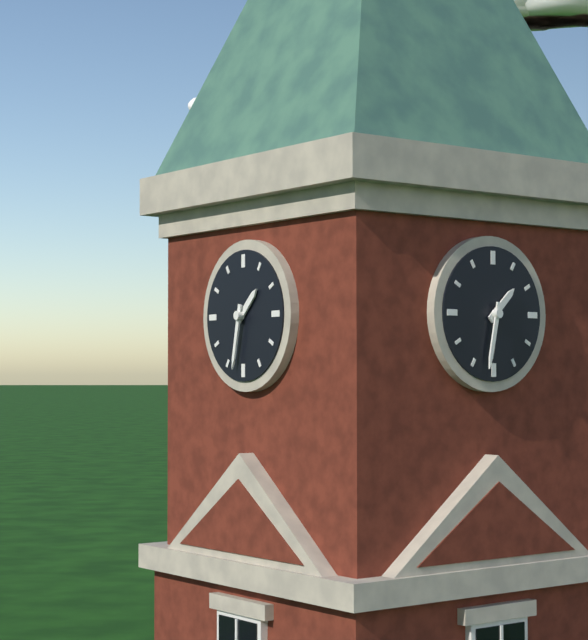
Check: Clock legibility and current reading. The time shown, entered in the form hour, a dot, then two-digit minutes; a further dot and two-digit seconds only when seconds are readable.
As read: 1.32
